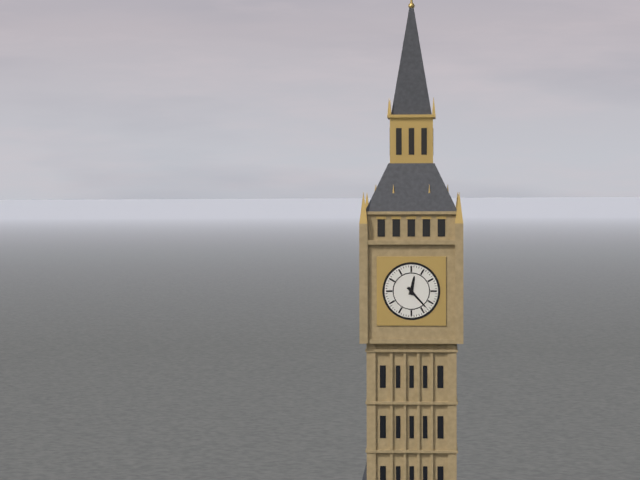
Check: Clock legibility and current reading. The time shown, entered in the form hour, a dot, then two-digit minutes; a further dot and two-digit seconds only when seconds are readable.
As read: 12.23
